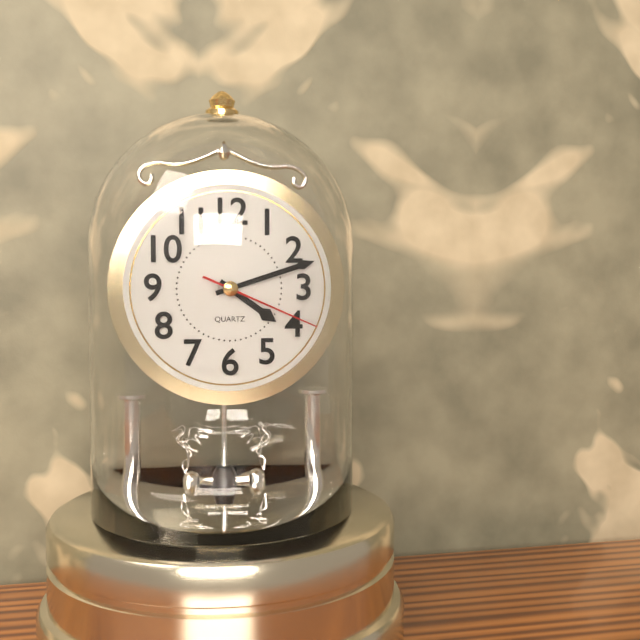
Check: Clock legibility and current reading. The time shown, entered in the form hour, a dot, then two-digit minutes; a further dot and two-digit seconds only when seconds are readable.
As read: 4.12.19
